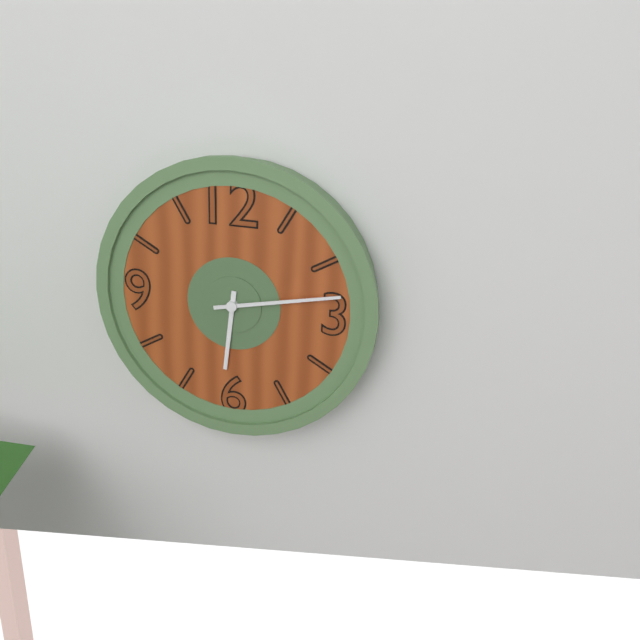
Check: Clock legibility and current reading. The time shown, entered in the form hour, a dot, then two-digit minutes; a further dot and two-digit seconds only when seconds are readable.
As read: 6.13
